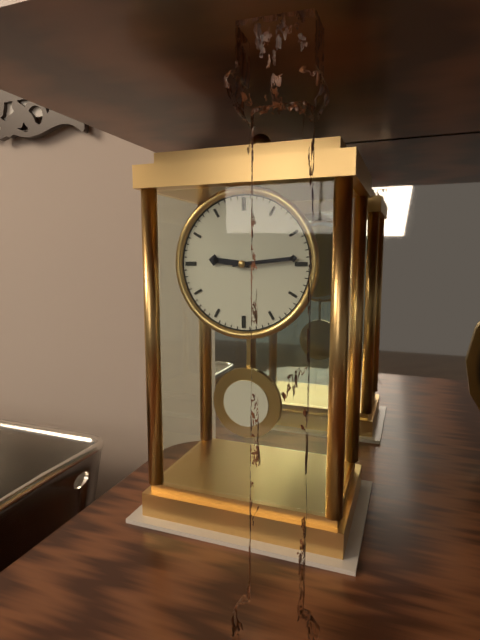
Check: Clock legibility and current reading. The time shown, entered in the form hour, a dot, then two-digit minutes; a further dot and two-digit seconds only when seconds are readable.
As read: 9.14
